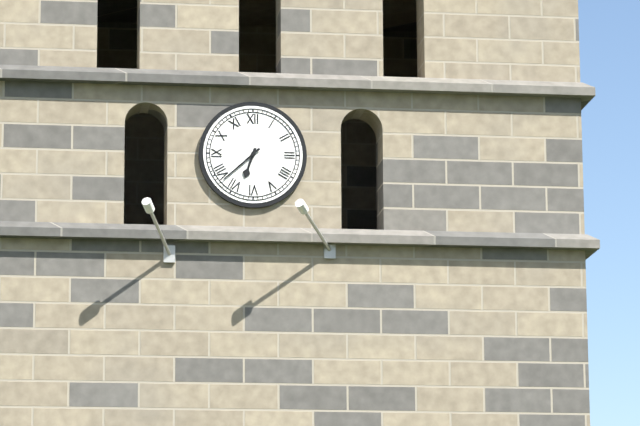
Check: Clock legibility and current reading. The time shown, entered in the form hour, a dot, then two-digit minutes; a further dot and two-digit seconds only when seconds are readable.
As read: 6.38
